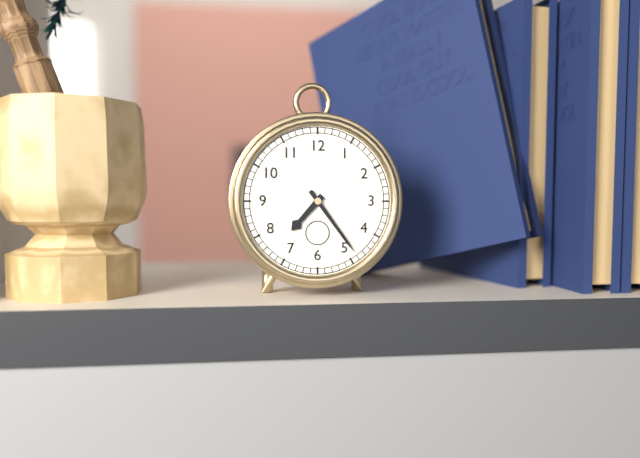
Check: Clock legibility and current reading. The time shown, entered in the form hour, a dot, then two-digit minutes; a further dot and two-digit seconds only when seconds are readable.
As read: 7.24
